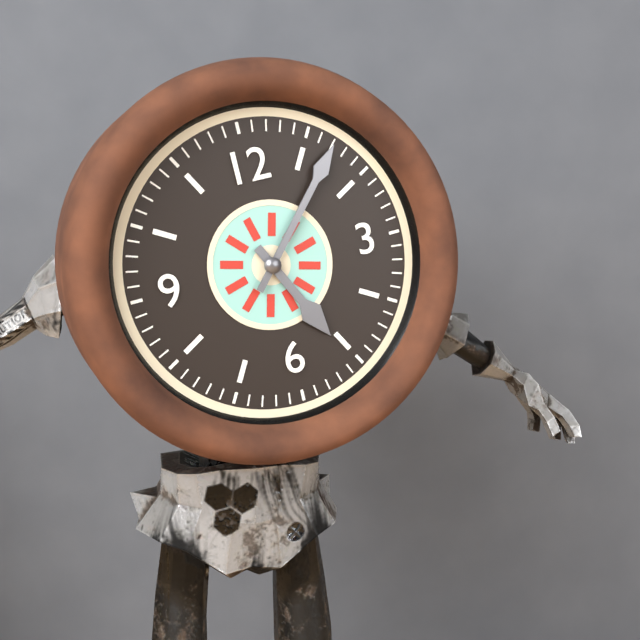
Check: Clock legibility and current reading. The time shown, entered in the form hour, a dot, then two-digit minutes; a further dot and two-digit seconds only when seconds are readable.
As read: 5.07
